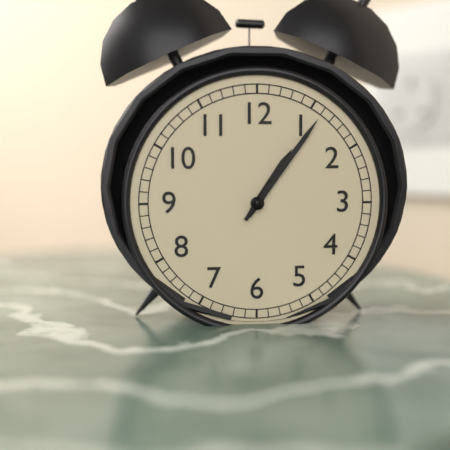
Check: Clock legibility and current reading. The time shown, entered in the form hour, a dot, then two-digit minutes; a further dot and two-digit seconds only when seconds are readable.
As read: 1.06
